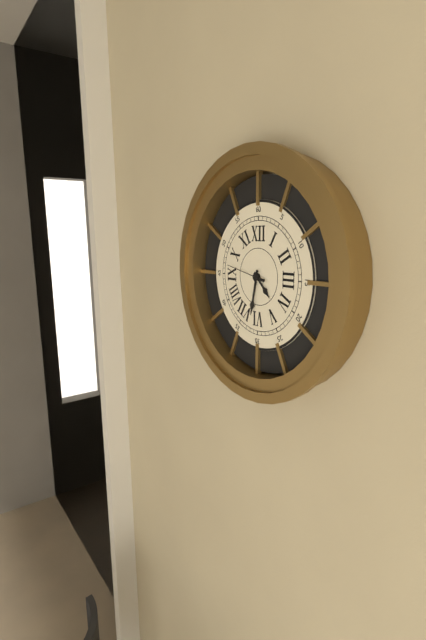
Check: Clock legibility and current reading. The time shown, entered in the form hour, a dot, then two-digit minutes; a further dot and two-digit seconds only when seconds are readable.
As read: 4.32.47
